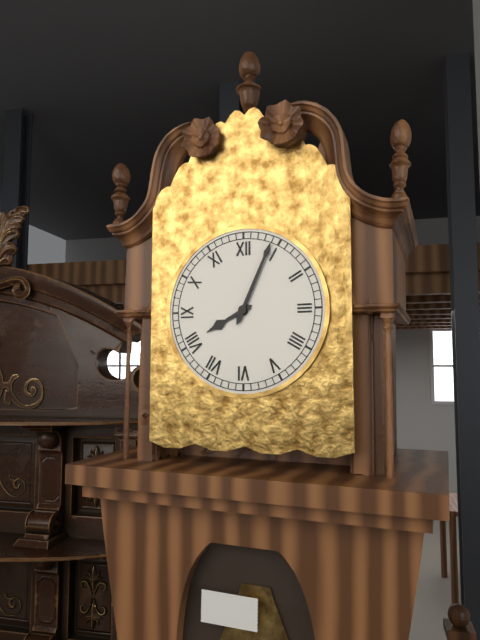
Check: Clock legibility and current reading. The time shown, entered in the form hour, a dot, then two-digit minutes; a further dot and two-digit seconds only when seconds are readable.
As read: 8.04
